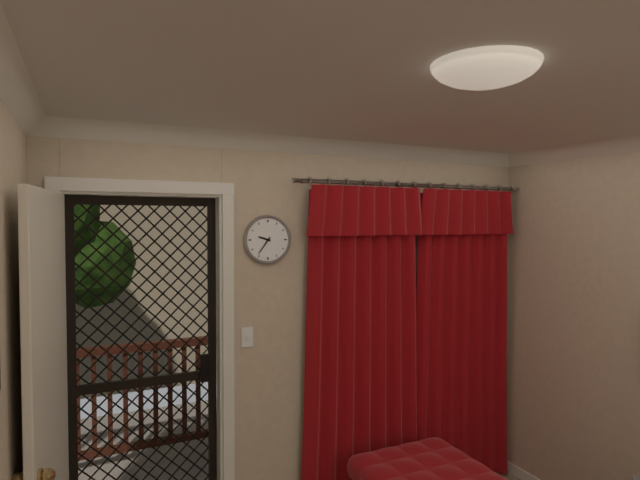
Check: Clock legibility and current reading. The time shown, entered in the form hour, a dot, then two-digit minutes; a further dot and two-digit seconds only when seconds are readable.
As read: 9.36
